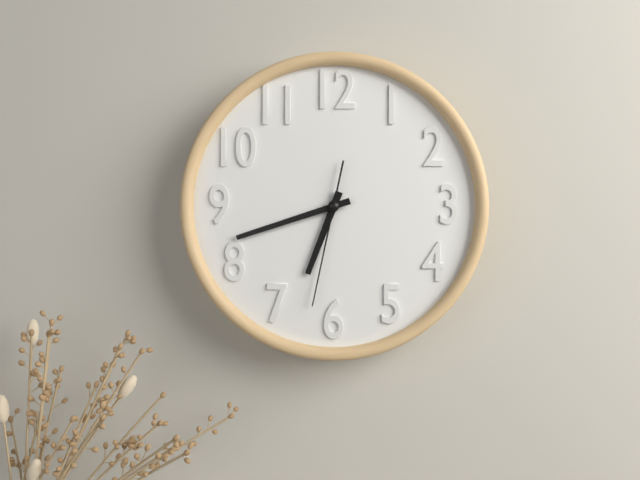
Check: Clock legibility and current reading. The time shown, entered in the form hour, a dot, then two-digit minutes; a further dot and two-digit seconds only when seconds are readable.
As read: 6.42.32
